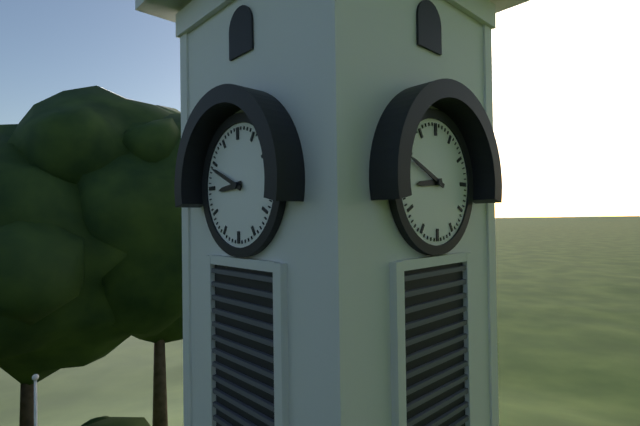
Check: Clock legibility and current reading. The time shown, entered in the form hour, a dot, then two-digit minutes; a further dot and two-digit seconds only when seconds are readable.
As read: 8.49
